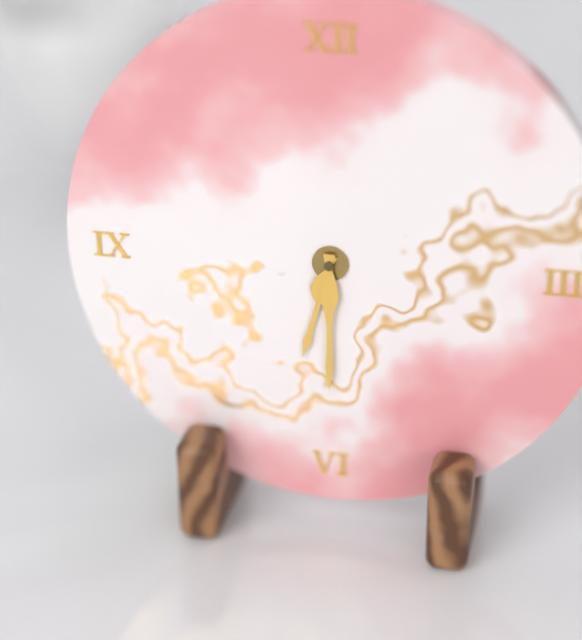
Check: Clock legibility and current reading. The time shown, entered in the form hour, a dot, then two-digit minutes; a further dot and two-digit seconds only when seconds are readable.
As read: 6.30
